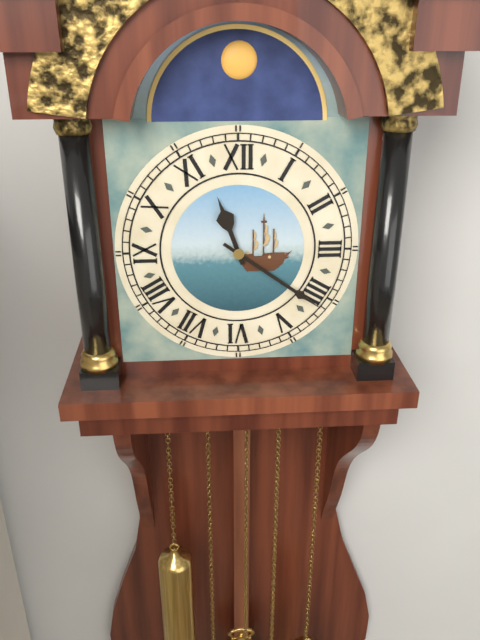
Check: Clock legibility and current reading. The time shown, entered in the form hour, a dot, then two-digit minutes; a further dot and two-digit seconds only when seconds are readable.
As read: 11.21
